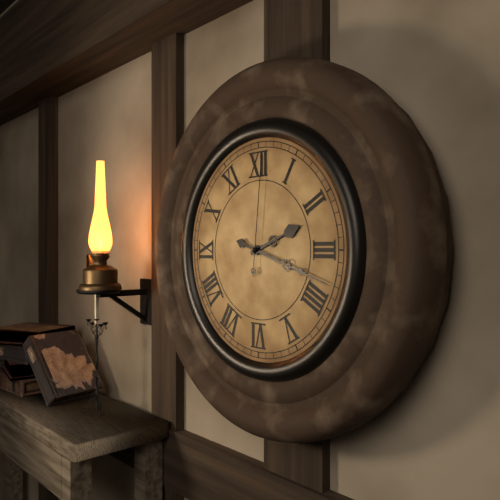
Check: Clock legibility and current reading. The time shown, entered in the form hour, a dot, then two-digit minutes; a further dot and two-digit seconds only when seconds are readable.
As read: 2.18.01
